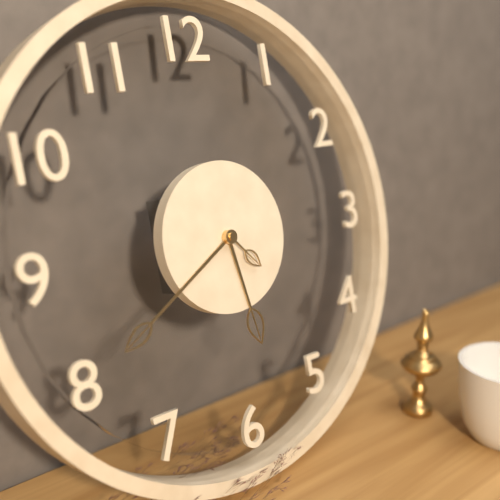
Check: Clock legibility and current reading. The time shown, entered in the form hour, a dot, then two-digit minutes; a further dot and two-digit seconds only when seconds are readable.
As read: 5.40.23
